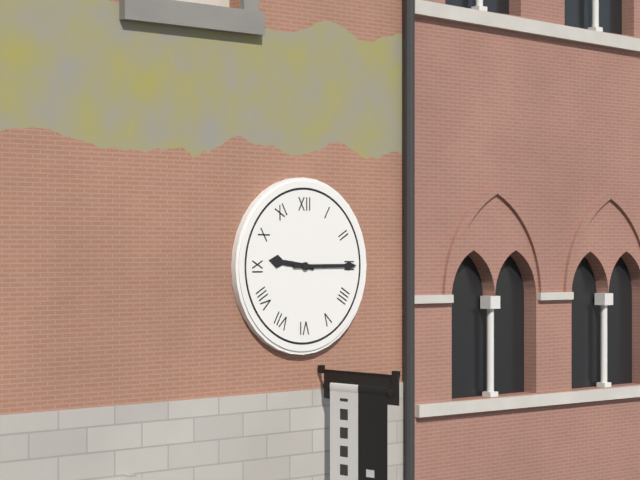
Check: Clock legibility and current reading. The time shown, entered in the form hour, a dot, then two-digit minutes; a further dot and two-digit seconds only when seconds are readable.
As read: 9.15
